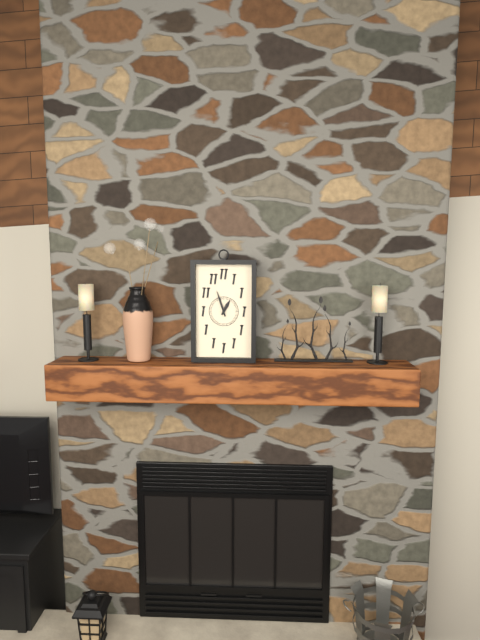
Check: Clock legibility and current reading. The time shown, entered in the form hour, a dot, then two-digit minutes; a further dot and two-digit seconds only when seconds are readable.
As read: 12.57
